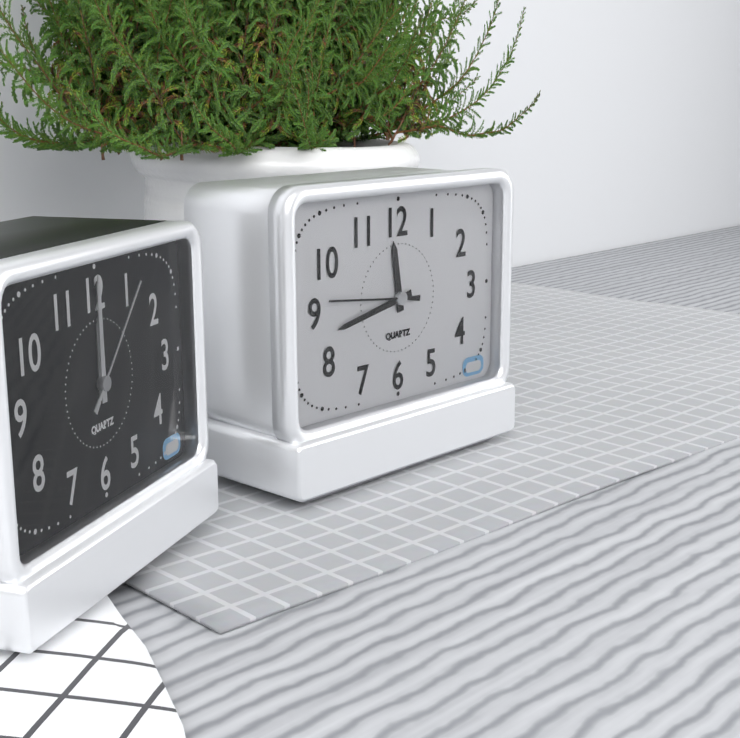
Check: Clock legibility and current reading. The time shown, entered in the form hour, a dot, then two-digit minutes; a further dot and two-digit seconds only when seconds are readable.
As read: 11.43.46
